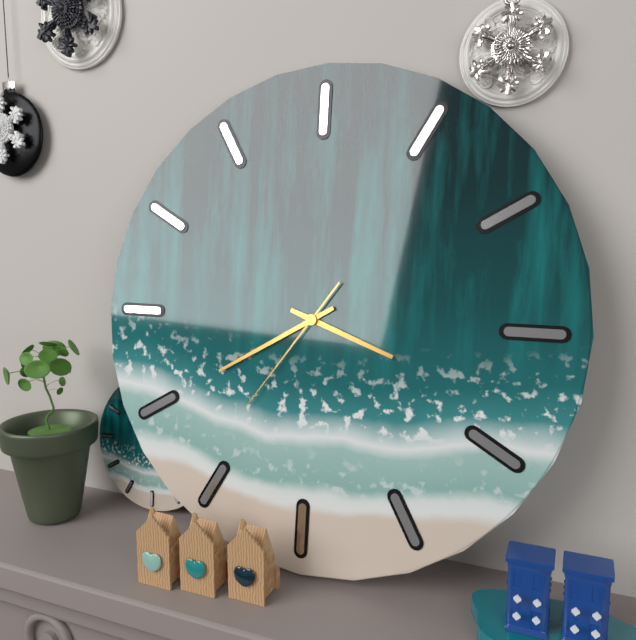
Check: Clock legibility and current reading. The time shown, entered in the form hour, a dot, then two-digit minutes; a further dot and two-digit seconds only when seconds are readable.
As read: 3.40.36
